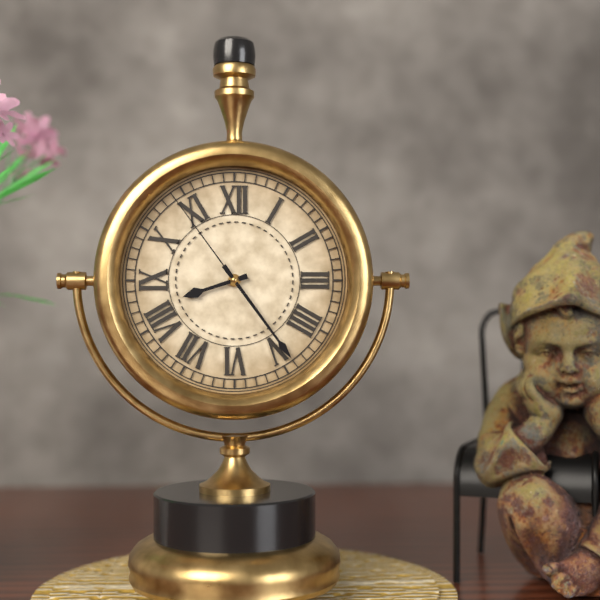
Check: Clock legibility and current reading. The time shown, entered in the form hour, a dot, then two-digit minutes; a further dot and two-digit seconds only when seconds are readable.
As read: 8.24.54
